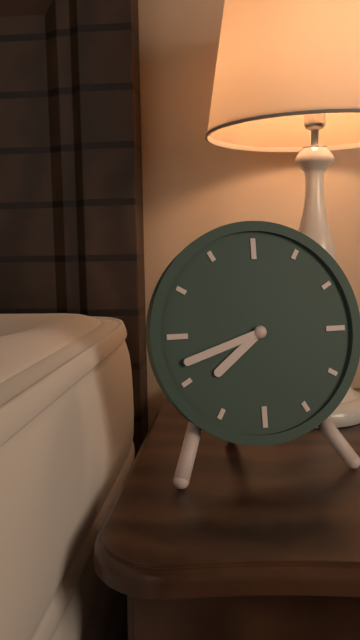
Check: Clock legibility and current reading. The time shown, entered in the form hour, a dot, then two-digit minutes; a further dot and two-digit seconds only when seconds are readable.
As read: 7.42
